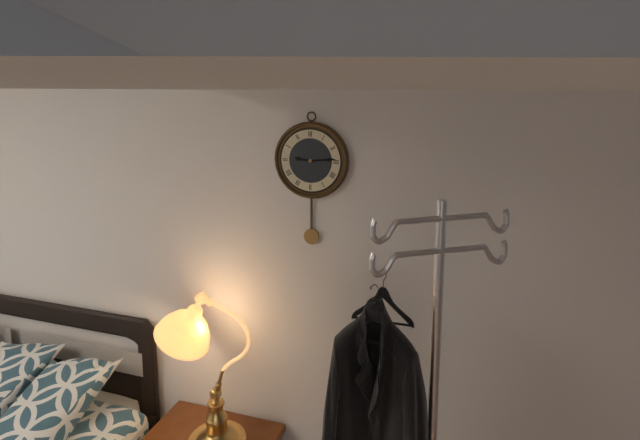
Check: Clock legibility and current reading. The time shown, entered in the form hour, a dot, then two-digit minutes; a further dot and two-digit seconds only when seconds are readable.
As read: 9.14
